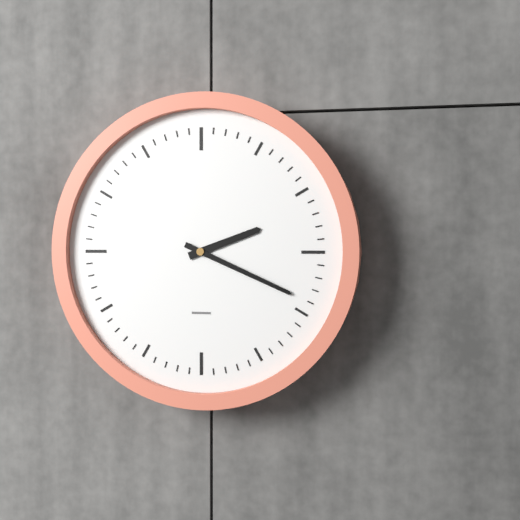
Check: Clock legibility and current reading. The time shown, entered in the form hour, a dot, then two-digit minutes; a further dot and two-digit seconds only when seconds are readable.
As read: 2.19
